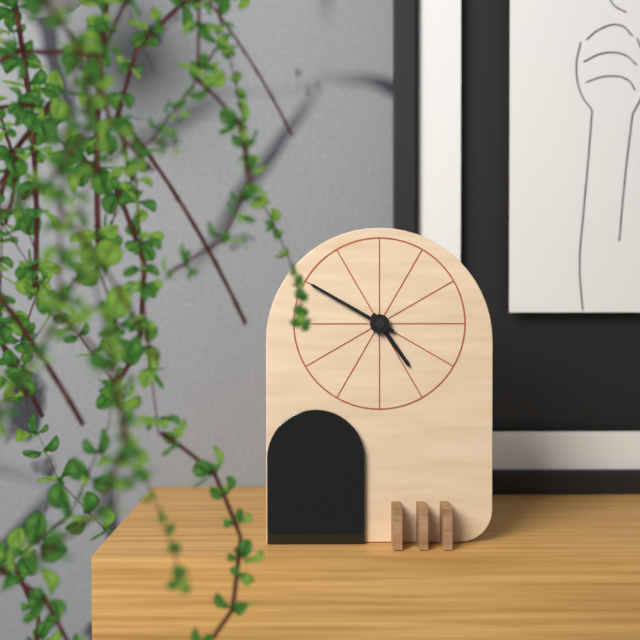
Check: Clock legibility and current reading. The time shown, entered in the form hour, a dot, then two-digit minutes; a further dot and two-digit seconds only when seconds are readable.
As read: 4.50
